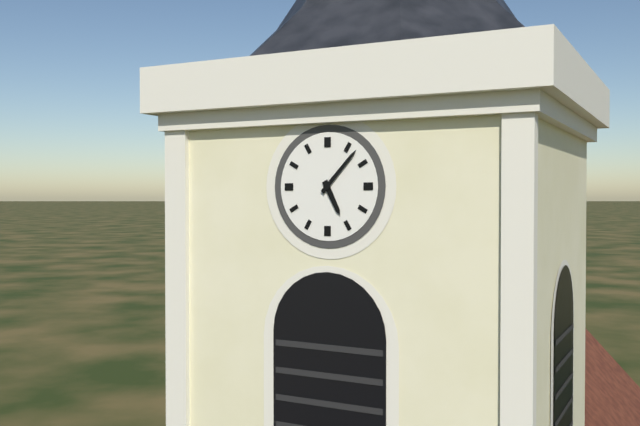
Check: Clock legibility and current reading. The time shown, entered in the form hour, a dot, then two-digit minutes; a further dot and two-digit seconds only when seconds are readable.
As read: 5.07
